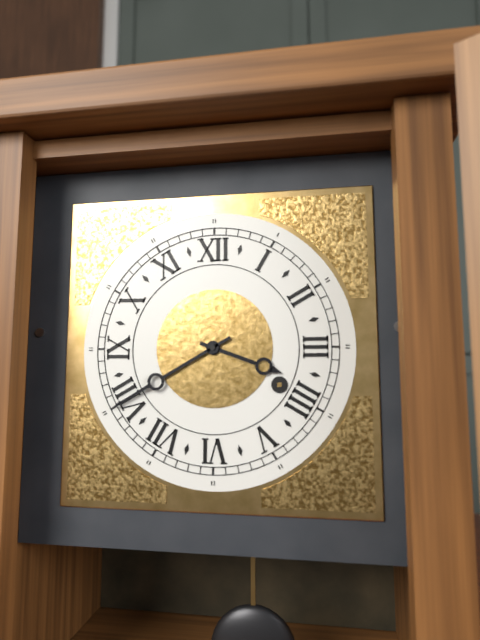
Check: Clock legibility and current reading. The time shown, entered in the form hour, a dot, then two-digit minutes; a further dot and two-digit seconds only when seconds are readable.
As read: 3.40
